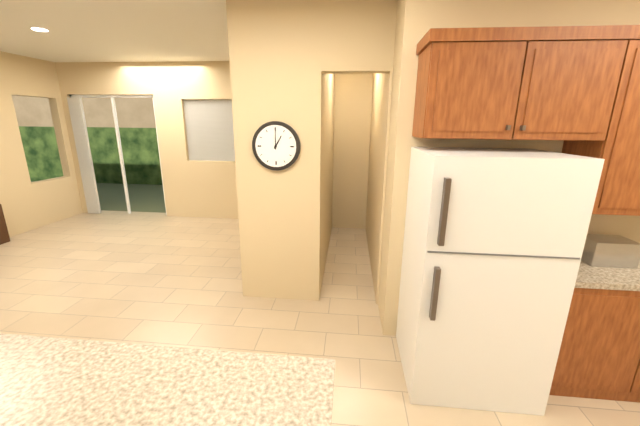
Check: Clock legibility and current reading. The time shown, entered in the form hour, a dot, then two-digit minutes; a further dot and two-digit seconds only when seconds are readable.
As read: 1.00
